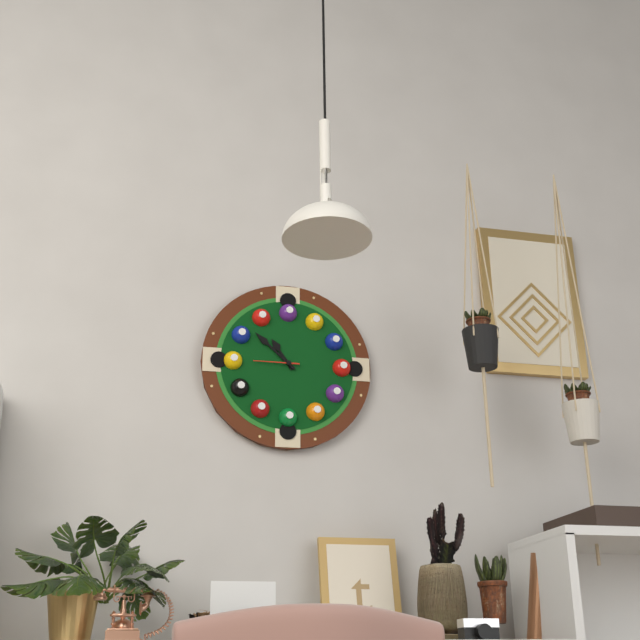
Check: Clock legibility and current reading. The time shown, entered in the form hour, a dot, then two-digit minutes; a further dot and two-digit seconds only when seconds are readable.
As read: 10.52
